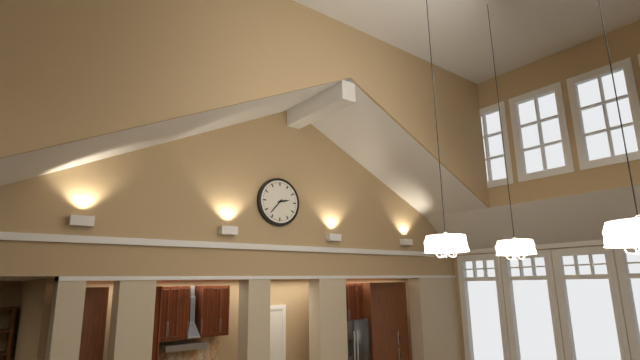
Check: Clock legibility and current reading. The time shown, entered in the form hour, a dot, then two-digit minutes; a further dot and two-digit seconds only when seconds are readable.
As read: 2.37
